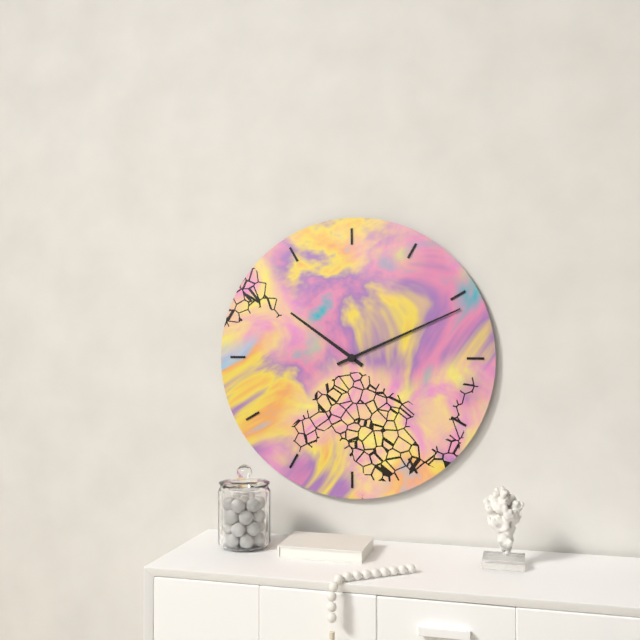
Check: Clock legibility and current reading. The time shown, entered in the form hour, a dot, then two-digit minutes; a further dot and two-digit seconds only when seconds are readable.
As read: 10.11
